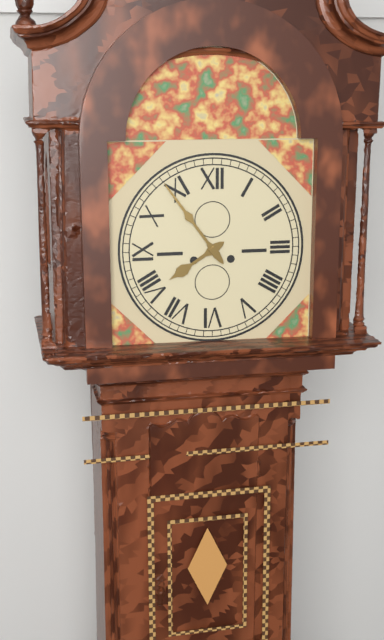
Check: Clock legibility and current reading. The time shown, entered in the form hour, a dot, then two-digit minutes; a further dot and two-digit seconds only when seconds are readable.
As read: 7.54
